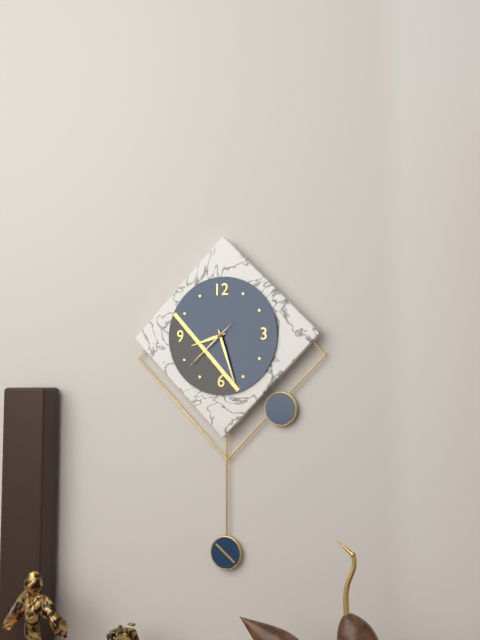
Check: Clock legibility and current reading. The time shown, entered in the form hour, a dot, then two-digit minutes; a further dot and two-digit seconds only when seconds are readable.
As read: 8.27.38
